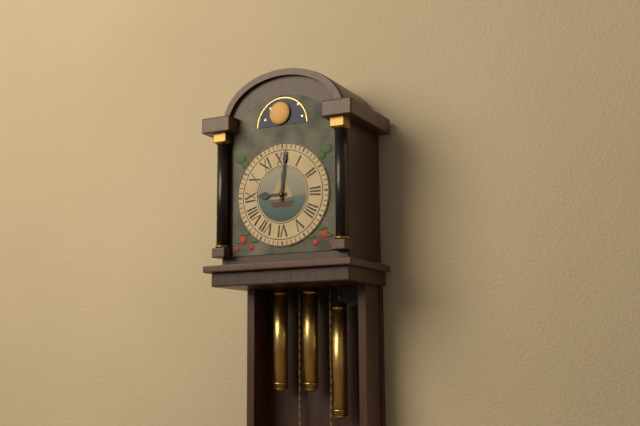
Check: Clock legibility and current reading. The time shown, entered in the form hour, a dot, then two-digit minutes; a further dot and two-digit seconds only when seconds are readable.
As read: 9.01
